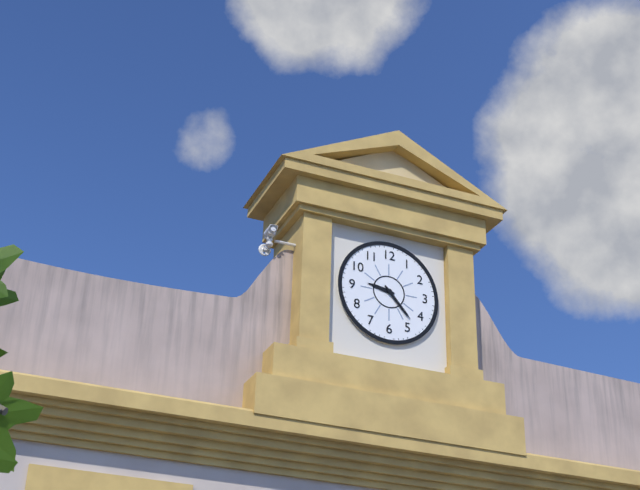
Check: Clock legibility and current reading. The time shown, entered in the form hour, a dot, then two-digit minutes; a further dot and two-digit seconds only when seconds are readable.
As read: 9.23
